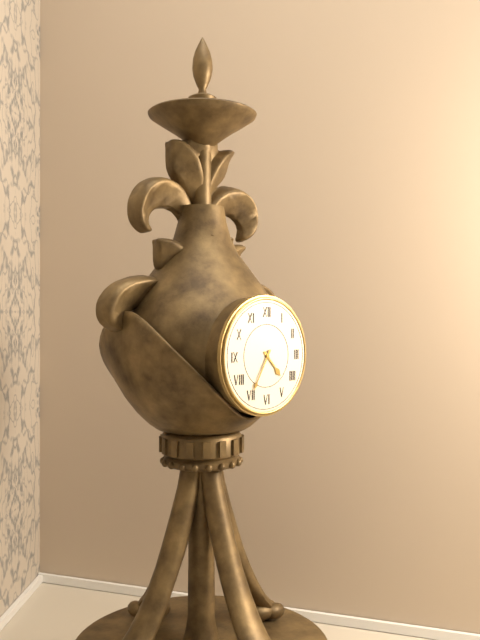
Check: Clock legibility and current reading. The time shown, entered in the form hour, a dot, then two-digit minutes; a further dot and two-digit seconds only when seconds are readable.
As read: 4.35
